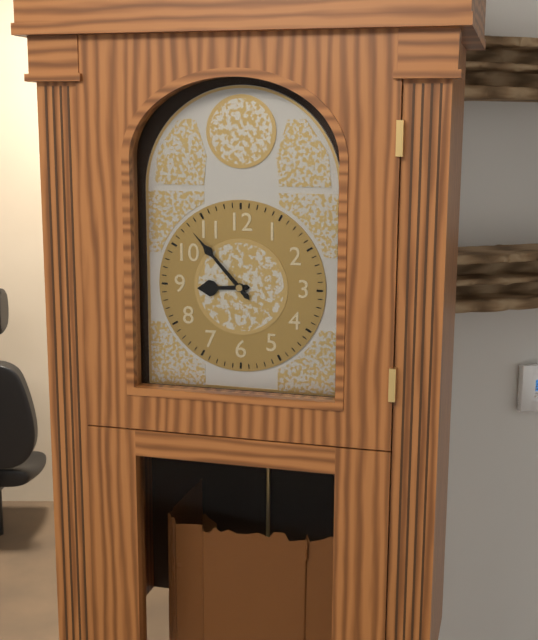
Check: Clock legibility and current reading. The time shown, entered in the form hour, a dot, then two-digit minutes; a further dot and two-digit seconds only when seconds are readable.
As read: 8.53
